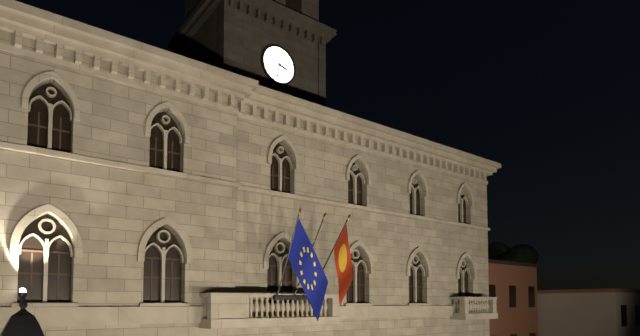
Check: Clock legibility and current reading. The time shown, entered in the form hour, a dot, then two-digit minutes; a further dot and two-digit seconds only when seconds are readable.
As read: 3.32
